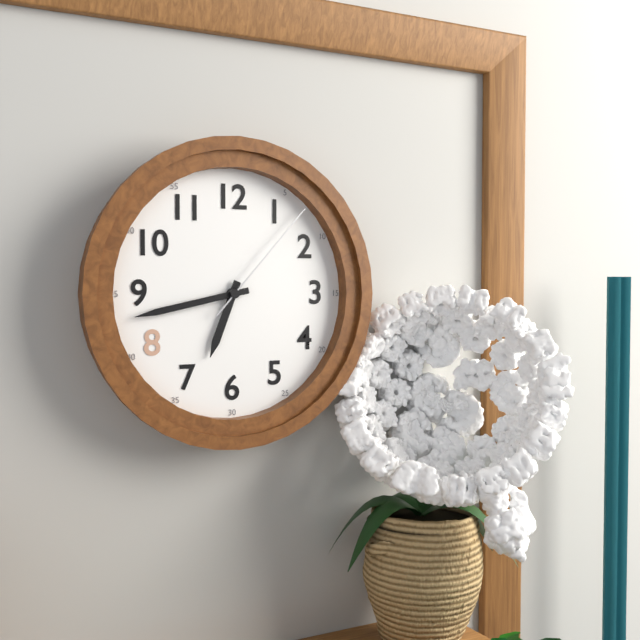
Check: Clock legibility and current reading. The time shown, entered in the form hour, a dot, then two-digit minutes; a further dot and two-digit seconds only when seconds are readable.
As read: 6.43.07
